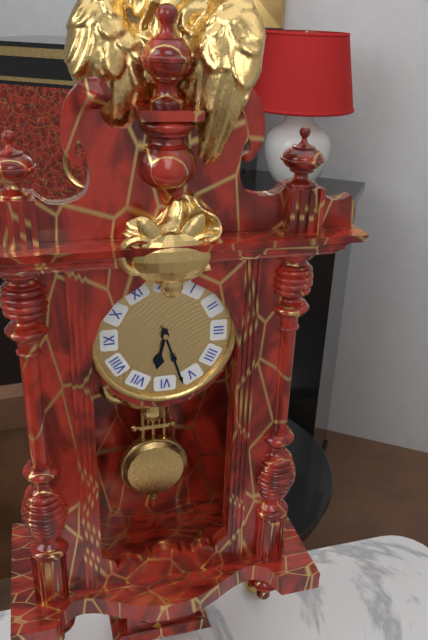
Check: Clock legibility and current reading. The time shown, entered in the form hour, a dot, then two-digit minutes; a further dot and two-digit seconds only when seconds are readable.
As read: 6.27
